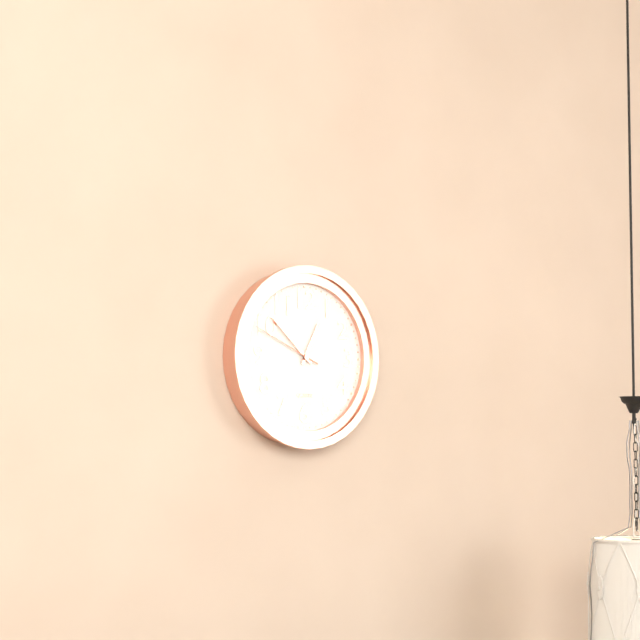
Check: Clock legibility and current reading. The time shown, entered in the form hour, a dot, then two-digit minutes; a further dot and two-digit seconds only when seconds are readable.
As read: 12.52.49
